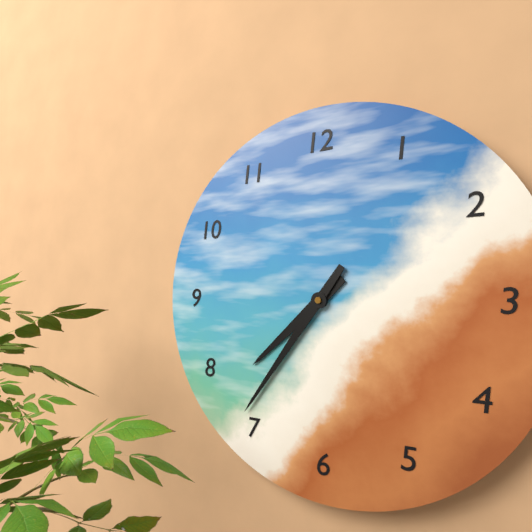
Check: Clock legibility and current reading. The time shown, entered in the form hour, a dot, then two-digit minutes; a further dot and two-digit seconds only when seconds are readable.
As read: 7.36
